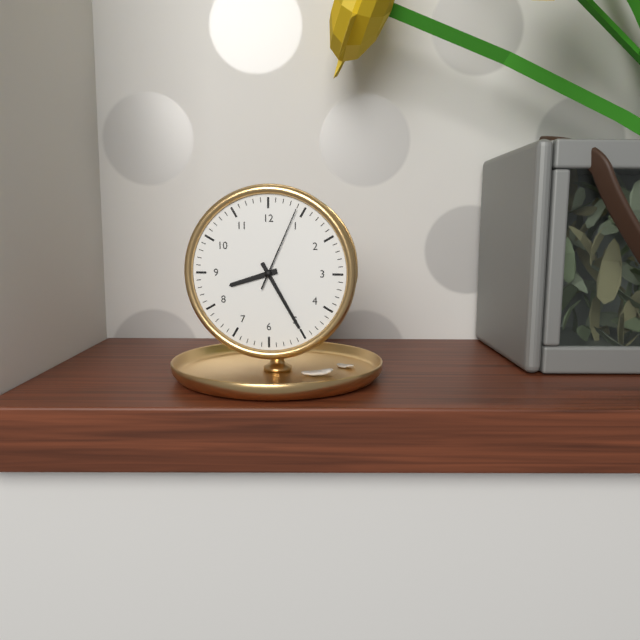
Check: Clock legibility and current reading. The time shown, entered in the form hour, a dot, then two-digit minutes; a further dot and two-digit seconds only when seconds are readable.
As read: 8.25.04
